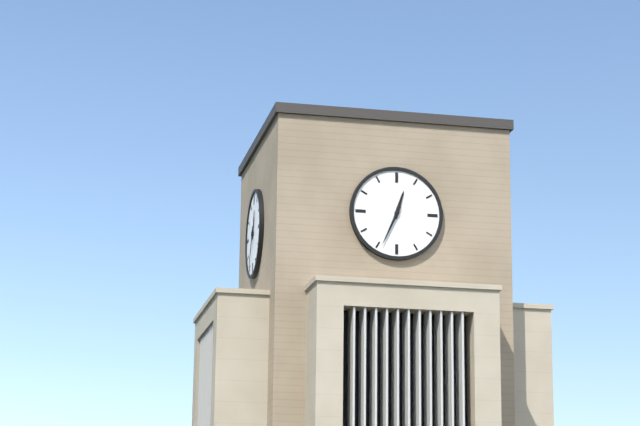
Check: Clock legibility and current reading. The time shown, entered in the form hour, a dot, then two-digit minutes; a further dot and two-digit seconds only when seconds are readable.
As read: 12.34
